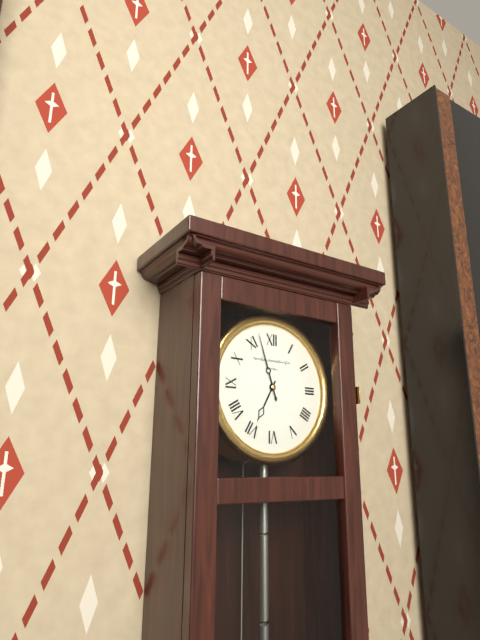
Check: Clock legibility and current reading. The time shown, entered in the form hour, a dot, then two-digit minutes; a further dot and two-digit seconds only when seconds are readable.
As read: 6.57
